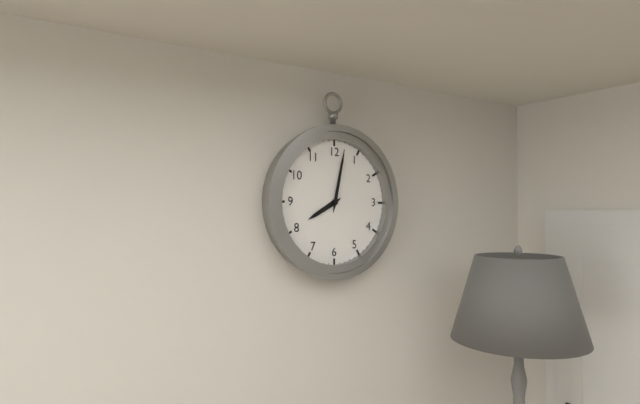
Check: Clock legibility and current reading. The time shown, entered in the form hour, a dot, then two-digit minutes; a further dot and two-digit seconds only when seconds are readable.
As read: 8.02
